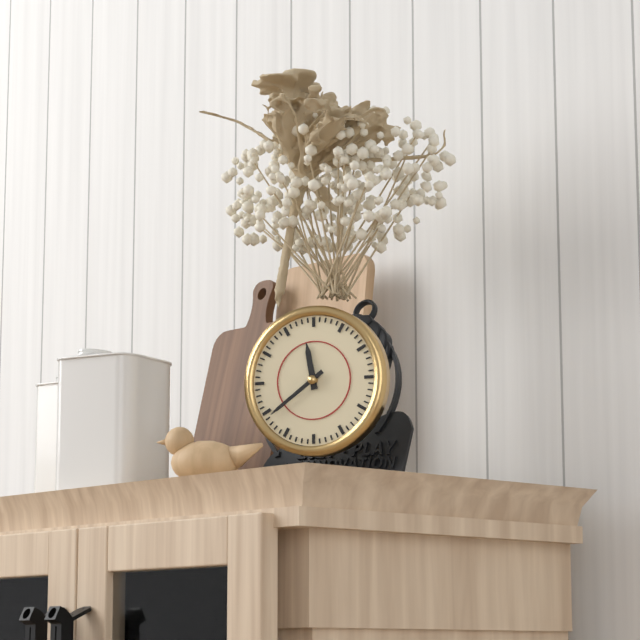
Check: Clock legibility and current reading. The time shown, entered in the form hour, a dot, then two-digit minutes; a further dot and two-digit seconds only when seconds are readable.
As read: 11.39
